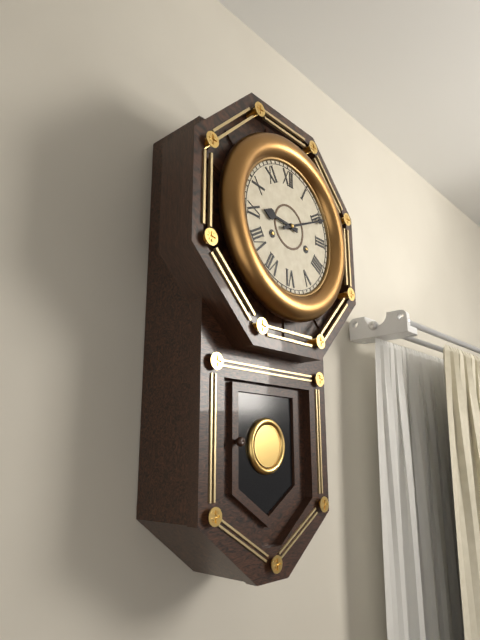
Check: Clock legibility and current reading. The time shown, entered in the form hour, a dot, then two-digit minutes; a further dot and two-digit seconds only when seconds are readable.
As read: 9.11
